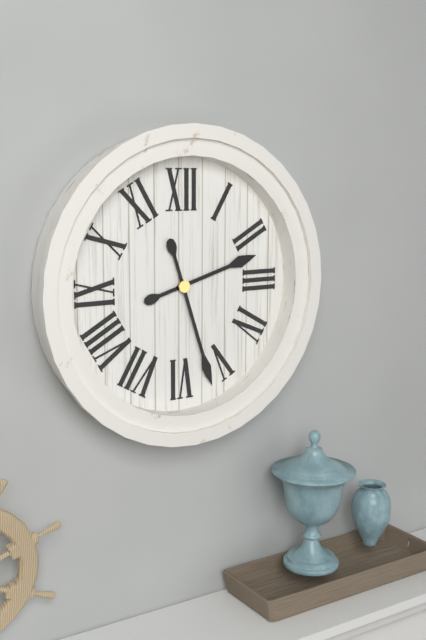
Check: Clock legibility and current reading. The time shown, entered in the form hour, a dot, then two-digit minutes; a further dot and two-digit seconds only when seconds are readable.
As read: 2.27
